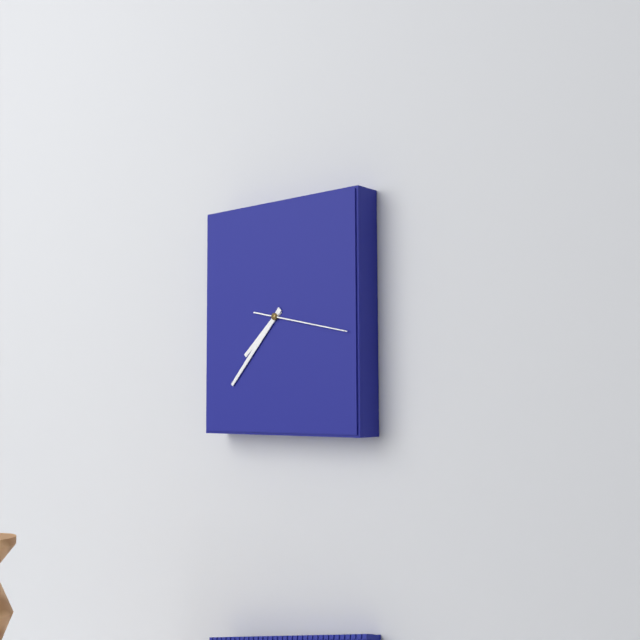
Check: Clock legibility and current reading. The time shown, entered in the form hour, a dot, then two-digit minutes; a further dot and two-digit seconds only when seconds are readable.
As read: 7.37.17
